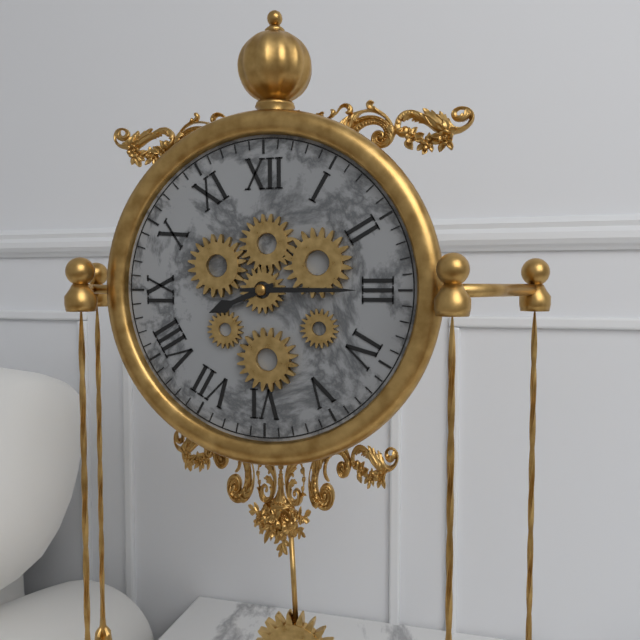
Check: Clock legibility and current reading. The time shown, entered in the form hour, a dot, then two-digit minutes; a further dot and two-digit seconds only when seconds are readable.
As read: 8.15
